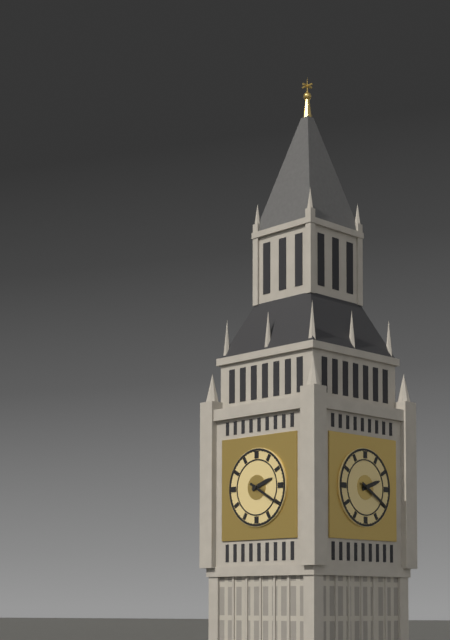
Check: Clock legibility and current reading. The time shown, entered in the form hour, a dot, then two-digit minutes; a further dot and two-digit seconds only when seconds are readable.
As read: 2.20
